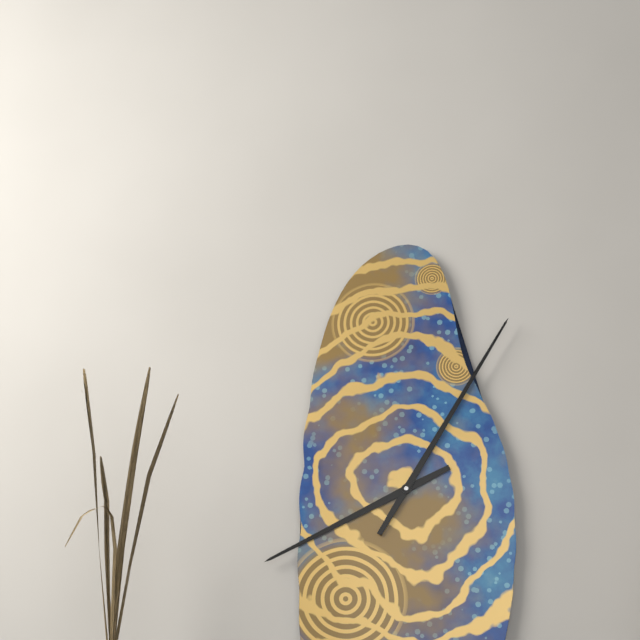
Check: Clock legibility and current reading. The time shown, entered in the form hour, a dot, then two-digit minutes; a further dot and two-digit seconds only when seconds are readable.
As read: 8.05
